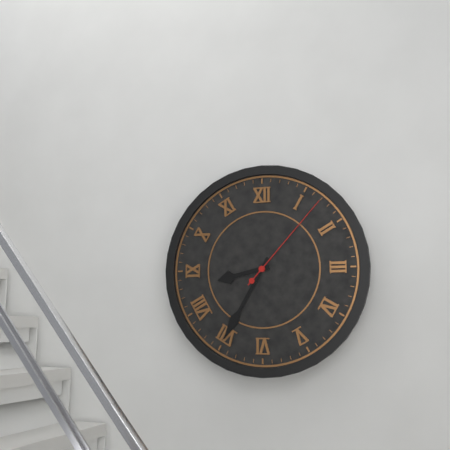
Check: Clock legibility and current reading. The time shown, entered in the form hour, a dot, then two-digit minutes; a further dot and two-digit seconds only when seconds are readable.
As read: 8.35.07
